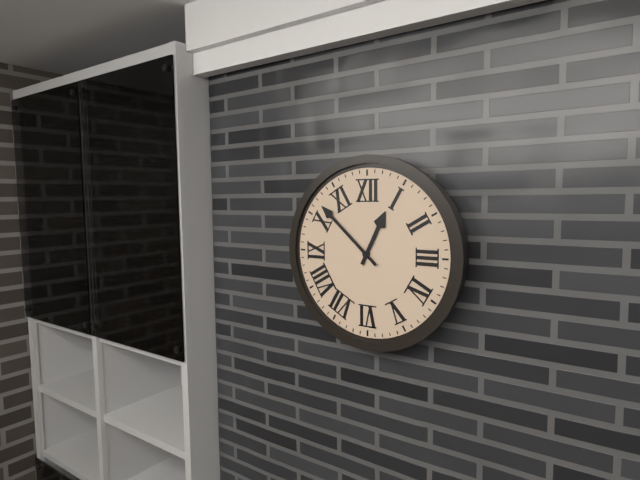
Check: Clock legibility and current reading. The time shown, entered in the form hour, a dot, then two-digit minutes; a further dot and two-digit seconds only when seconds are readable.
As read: 12.52
